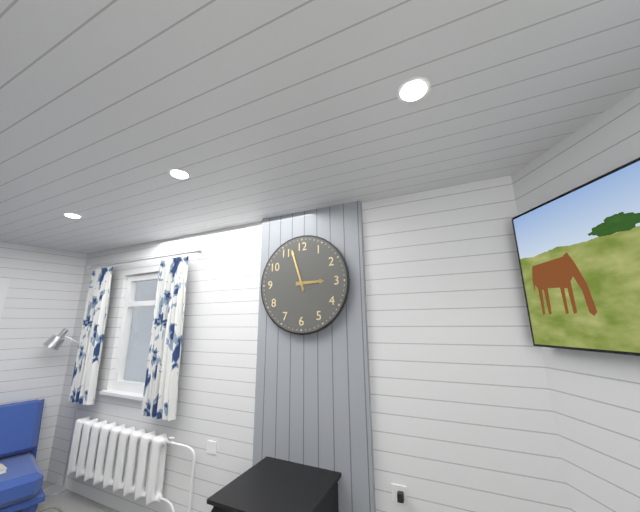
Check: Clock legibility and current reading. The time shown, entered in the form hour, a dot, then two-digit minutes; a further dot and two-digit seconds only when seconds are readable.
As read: 2.57
